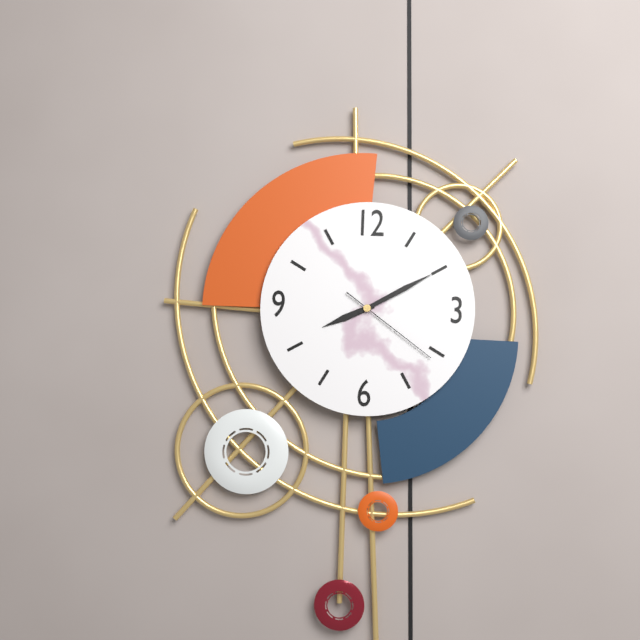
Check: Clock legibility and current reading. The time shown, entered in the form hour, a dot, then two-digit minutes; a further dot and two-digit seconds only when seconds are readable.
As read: 8.10.21
